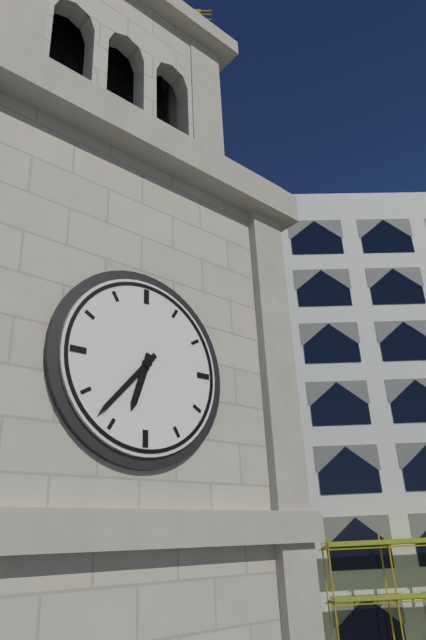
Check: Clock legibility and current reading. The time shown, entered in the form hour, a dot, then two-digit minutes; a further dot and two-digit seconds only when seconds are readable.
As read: 6.37
